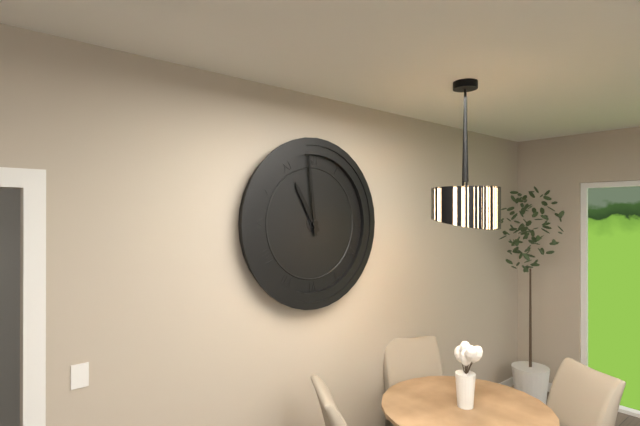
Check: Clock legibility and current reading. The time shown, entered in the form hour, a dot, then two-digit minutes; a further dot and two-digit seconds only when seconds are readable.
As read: 10.59
